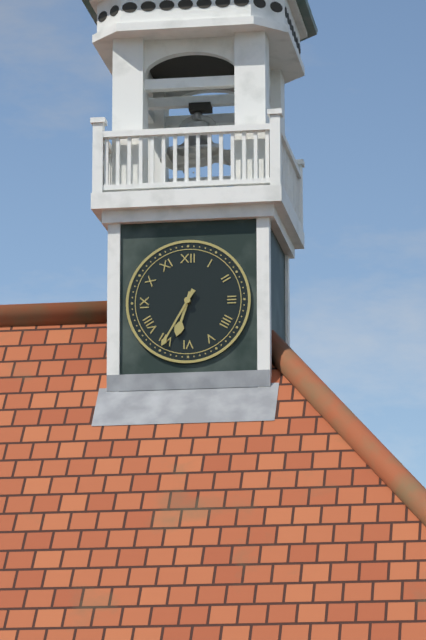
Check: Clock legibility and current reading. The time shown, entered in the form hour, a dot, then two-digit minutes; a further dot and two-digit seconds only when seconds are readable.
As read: 6.35
